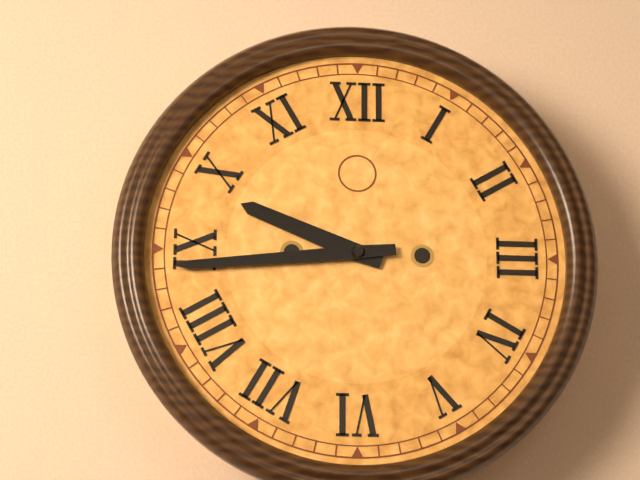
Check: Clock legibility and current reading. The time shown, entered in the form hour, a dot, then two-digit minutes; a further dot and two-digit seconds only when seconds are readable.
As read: 9.44
